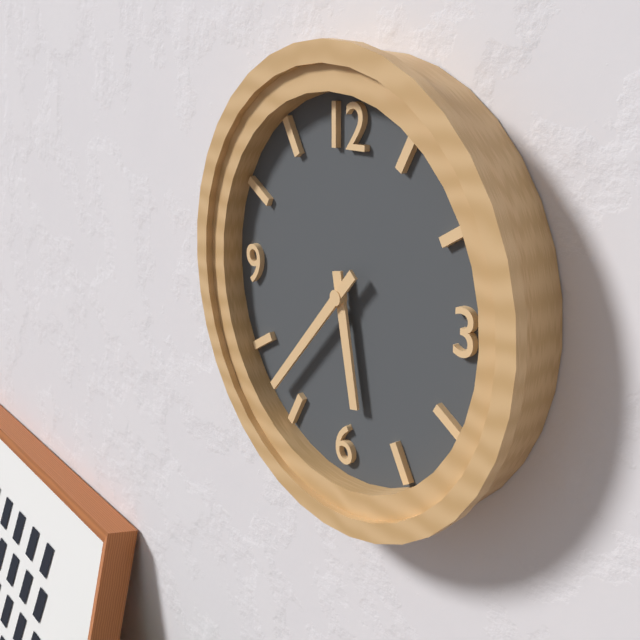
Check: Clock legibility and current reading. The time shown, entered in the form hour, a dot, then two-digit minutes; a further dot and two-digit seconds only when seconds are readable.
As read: 5.37
